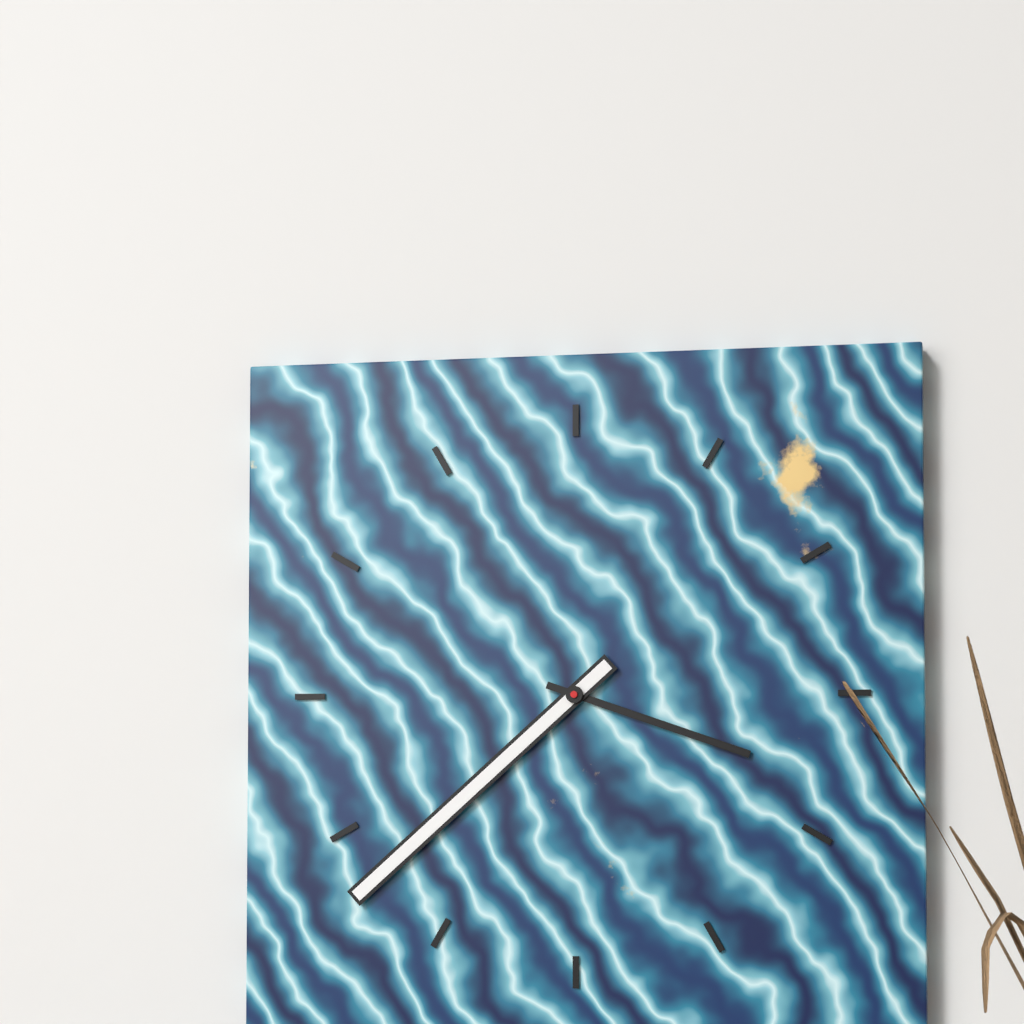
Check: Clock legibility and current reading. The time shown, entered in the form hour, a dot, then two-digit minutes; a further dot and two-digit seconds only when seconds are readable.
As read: 3.38
